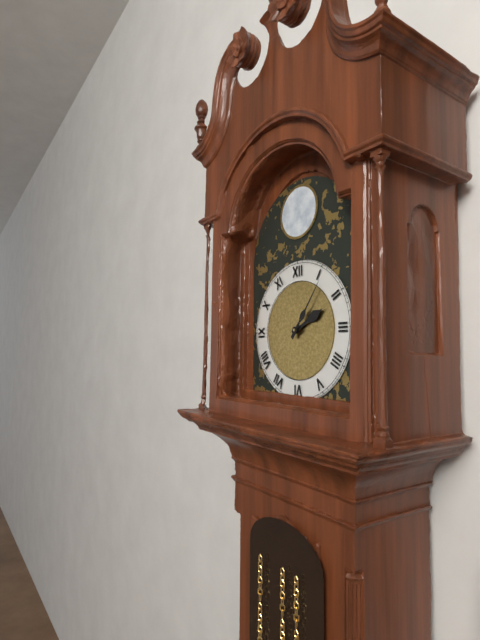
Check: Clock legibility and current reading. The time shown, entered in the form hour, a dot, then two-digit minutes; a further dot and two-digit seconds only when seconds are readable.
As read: 2.06
